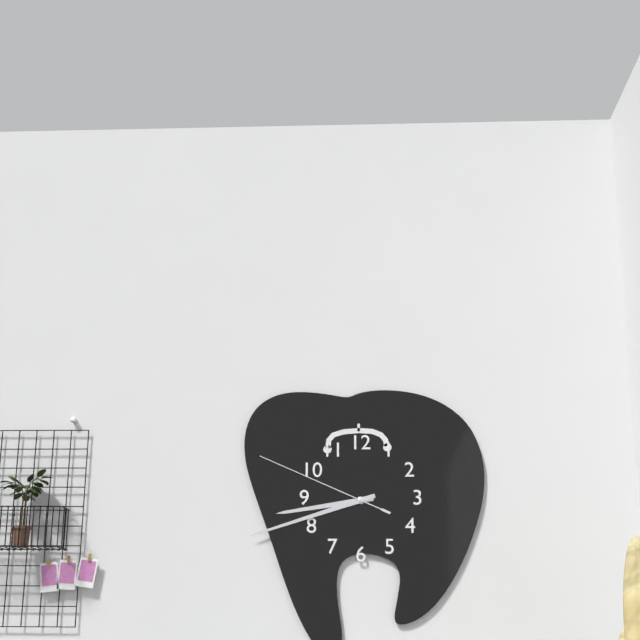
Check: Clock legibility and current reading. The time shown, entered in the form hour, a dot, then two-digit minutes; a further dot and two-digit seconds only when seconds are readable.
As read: 8.42.49
